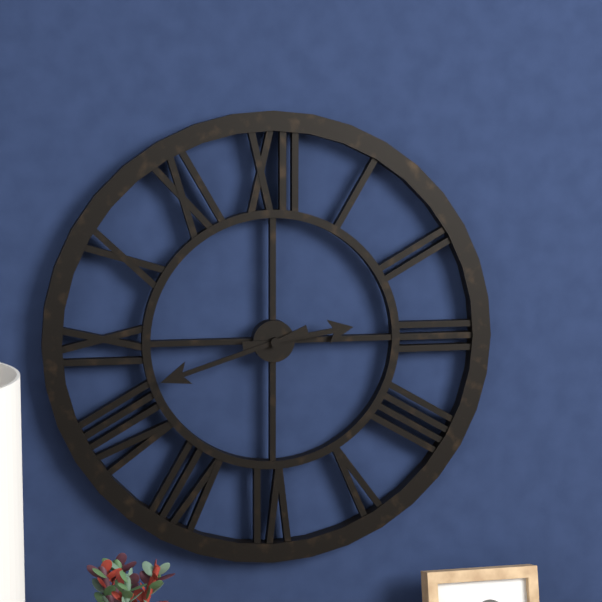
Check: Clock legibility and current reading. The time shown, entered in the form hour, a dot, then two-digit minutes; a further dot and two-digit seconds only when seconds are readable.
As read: 2.42
